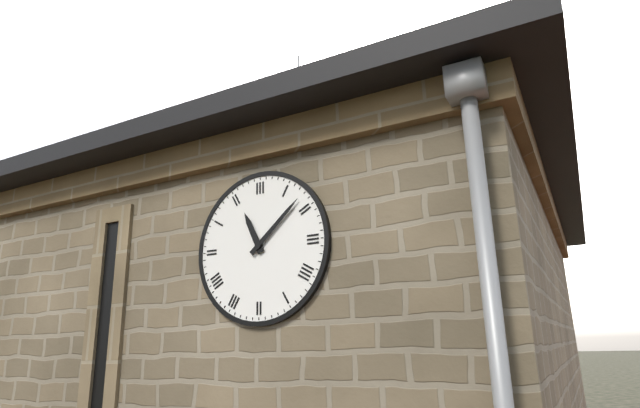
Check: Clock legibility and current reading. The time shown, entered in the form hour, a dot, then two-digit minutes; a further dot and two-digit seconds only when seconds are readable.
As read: 11.08
